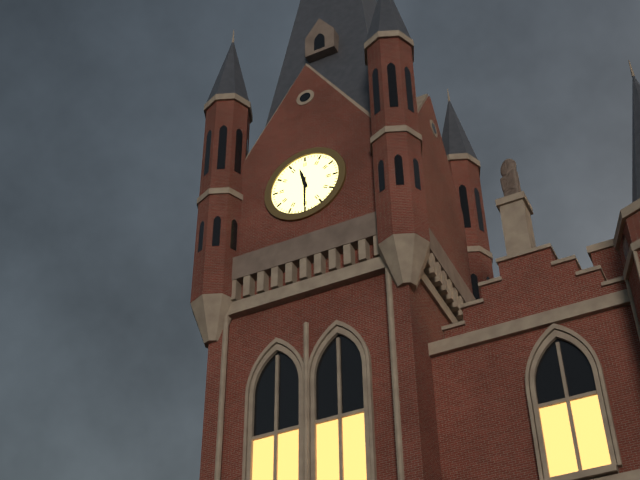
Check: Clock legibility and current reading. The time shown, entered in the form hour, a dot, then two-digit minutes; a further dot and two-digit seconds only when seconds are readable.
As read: 11.30
